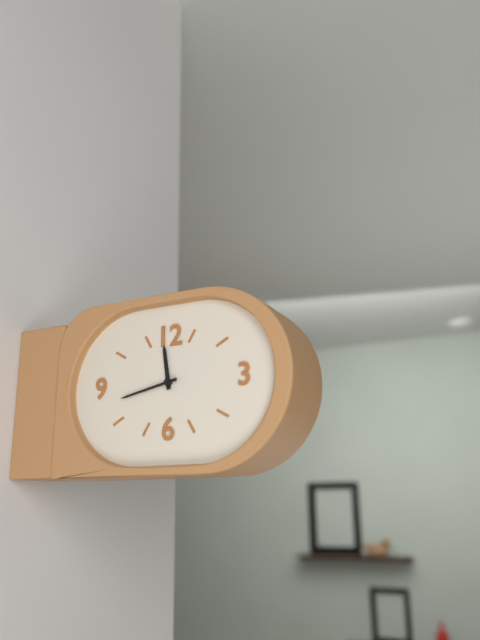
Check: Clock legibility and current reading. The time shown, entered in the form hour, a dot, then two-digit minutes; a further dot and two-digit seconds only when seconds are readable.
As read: 11.43
